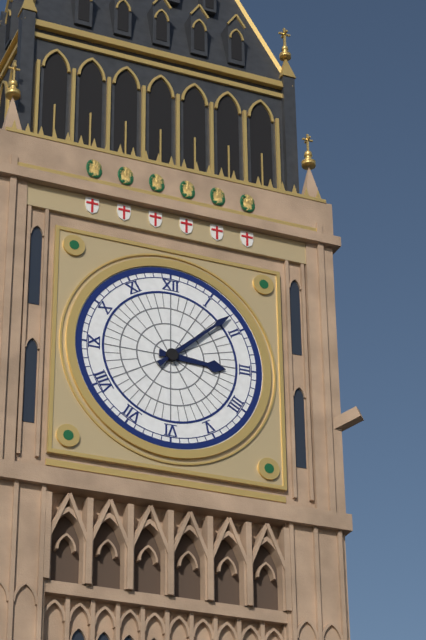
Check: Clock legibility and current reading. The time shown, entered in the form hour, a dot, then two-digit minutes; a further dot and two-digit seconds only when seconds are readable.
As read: 3.08
